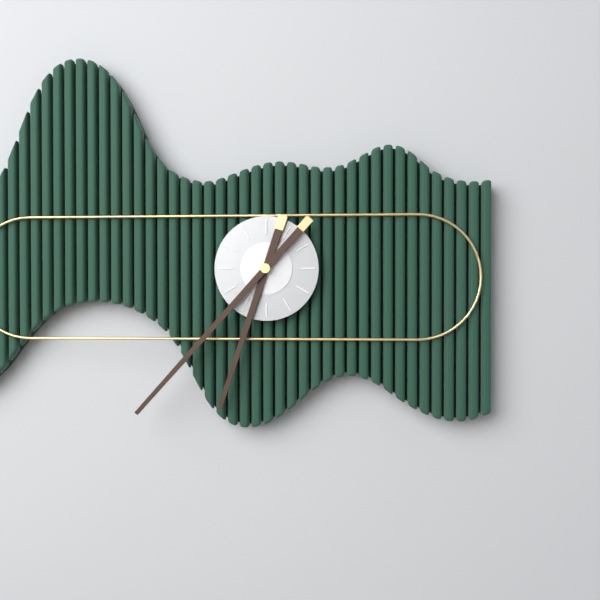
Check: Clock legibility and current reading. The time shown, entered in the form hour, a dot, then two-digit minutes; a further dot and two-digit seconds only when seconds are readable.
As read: 6.37
